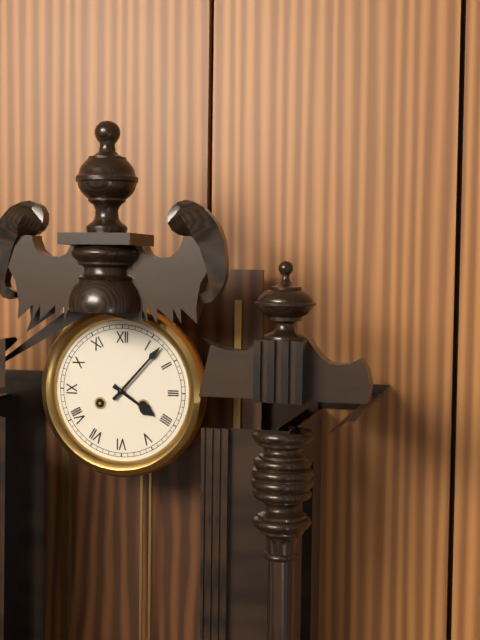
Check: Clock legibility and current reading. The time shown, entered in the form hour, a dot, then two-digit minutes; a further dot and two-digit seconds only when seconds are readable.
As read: 4.07
